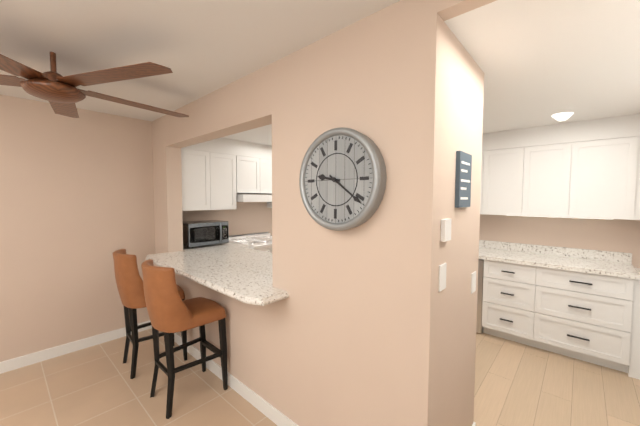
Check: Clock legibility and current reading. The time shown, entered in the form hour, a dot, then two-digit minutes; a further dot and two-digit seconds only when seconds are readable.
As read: 9.21
